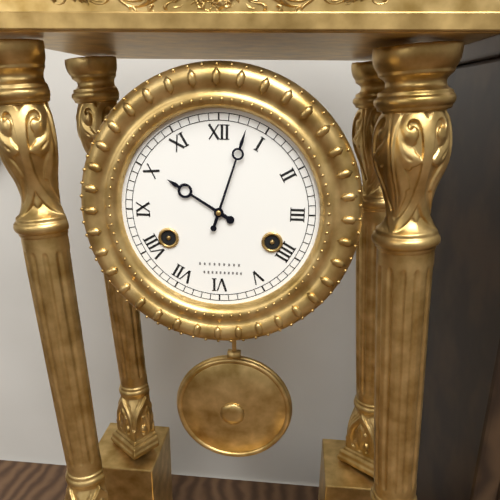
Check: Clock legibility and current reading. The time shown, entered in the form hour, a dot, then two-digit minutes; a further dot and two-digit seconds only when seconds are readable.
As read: 10.03
